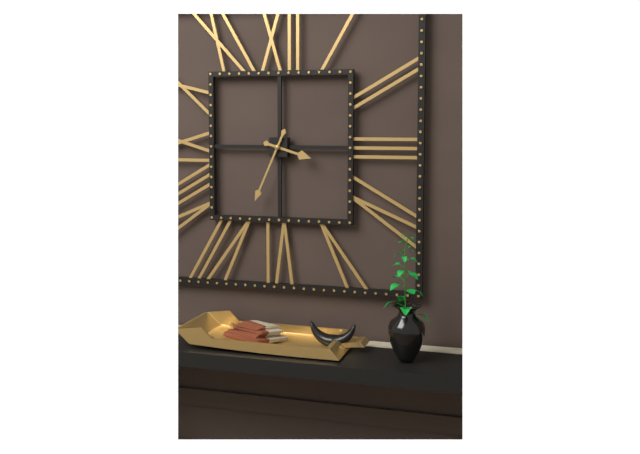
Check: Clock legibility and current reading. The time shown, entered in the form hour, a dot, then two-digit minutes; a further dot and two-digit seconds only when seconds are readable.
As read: 3.34
